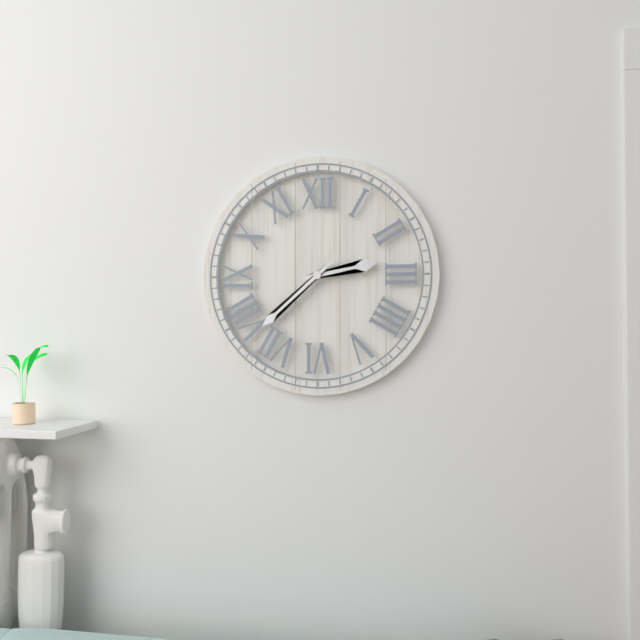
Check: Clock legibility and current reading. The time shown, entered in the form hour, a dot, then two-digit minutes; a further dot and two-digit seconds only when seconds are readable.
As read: 2.38
